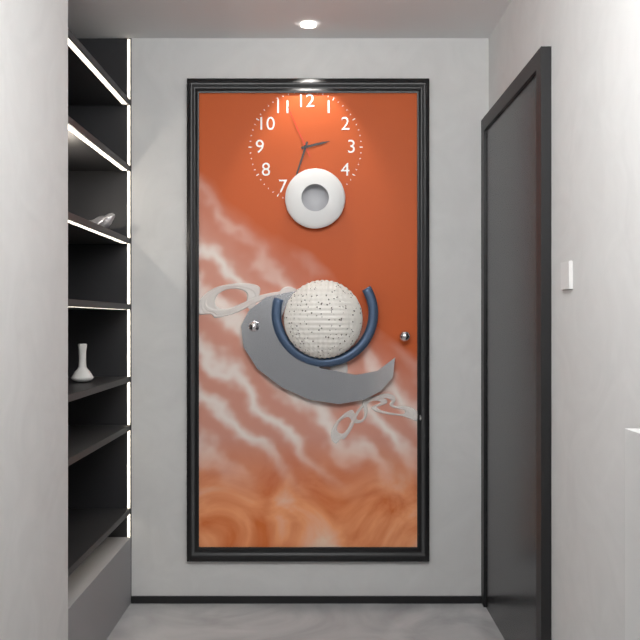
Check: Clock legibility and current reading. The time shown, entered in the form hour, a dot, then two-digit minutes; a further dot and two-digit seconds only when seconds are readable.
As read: 2.33.56
